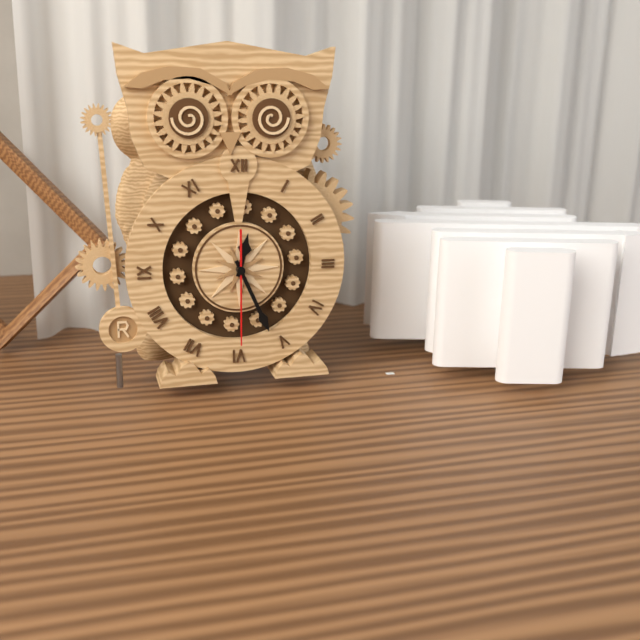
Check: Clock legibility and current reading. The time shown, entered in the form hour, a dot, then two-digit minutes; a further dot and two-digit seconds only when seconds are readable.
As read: 12.26.30
